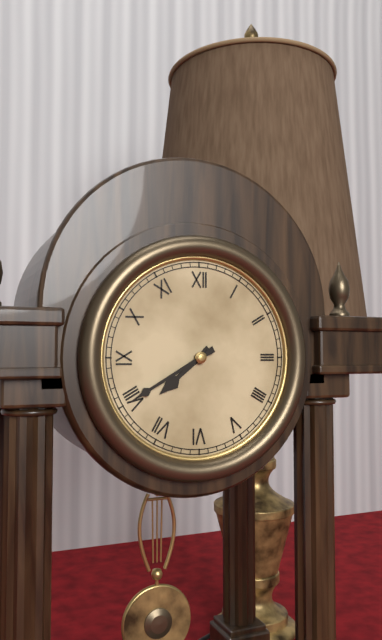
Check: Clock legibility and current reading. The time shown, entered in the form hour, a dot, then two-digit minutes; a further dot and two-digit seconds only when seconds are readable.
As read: 7.40
